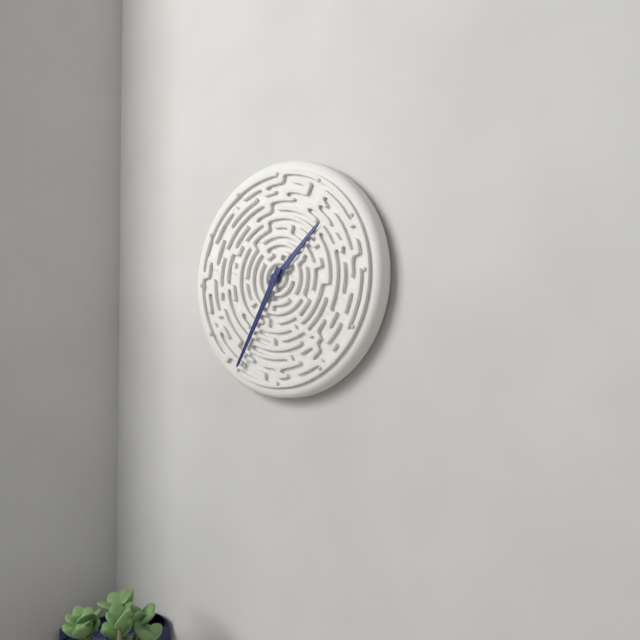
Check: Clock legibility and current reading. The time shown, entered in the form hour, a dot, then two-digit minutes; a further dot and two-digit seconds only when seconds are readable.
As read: 1.35
